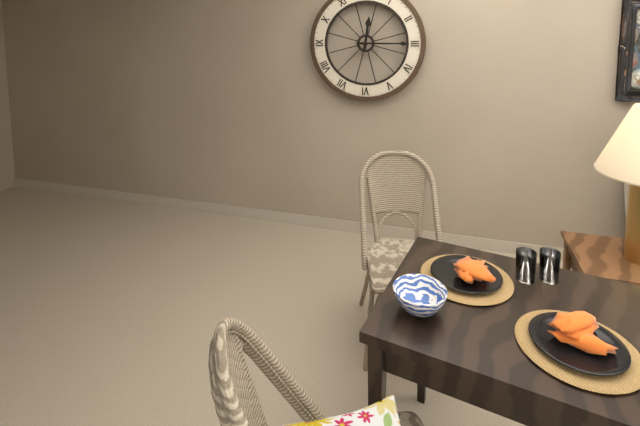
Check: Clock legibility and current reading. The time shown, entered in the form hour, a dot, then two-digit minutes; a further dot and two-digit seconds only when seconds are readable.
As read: 12.15
